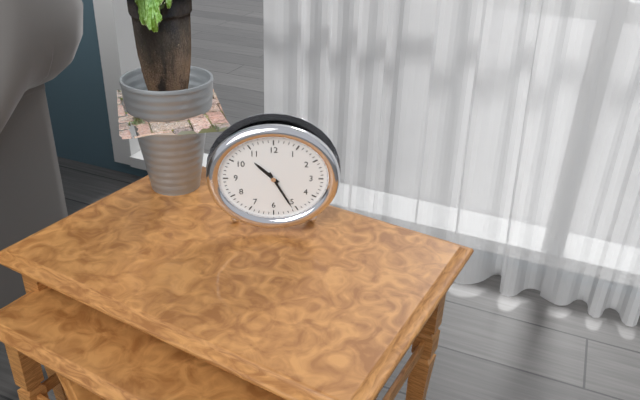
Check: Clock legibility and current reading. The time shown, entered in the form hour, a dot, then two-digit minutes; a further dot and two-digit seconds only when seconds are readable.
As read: 10.25
